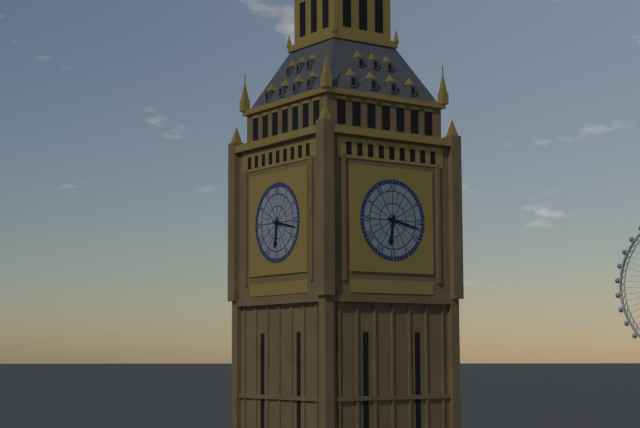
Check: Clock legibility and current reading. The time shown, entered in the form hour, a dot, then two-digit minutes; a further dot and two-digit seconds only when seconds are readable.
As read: 6.17
